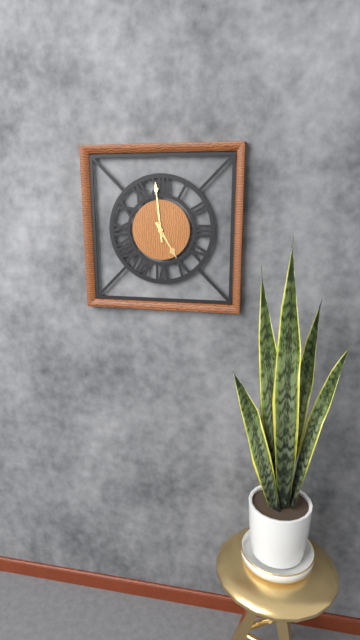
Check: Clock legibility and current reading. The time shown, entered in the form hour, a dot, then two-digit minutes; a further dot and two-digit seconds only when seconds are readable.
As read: 4.59
